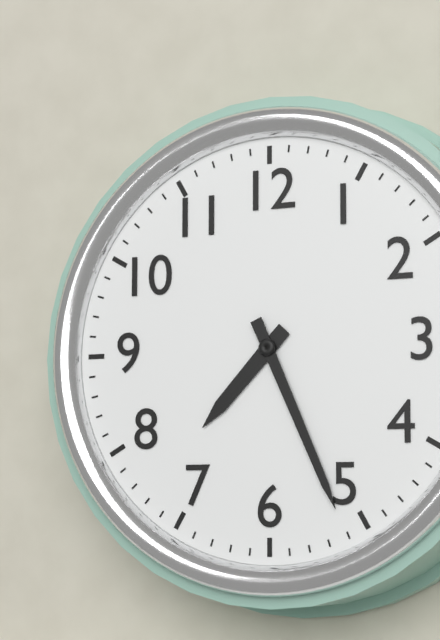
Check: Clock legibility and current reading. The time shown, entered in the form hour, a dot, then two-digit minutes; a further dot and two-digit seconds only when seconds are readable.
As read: 7.26
